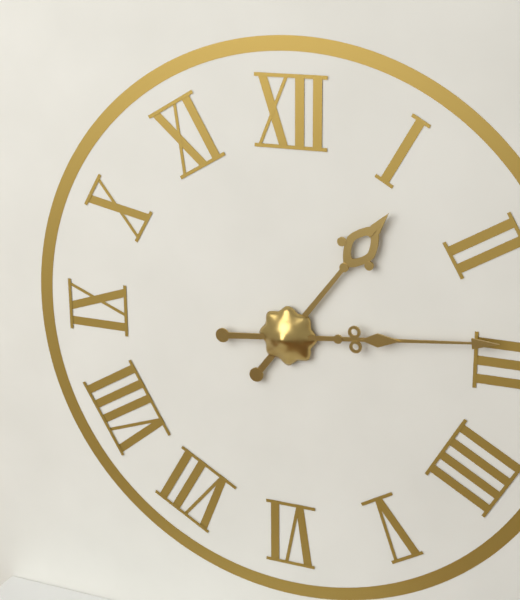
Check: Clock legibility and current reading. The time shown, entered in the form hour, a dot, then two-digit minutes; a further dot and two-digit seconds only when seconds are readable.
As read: 1.14
